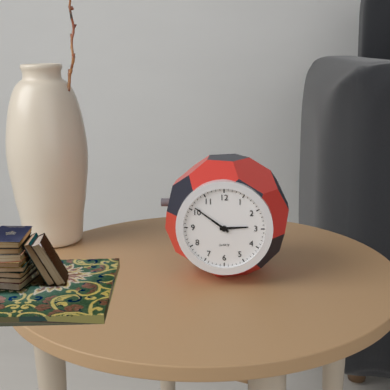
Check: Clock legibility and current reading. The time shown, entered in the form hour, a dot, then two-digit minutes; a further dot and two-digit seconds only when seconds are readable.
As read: 2.51
